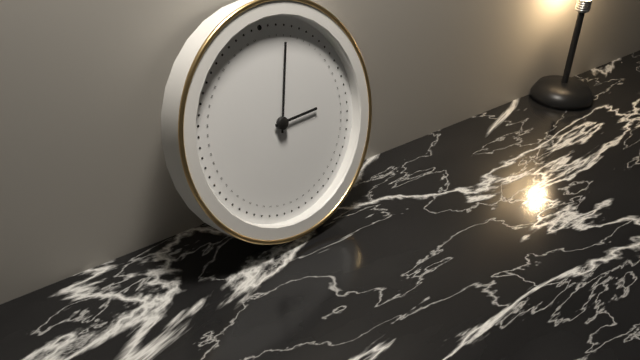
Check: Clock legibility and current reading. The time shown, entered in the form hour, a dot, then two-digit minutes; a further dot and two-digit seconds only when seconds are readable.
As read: 3.03
